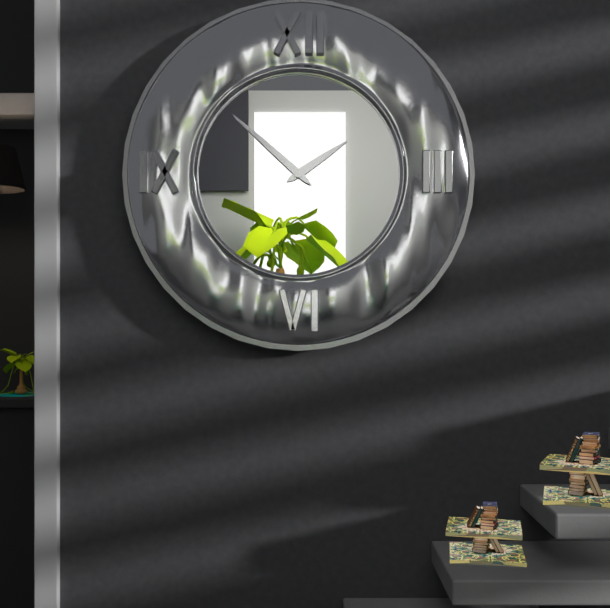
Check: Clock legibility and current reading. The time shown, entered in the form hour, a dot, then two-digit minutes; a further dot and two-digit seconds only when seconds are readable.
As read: 1.52
